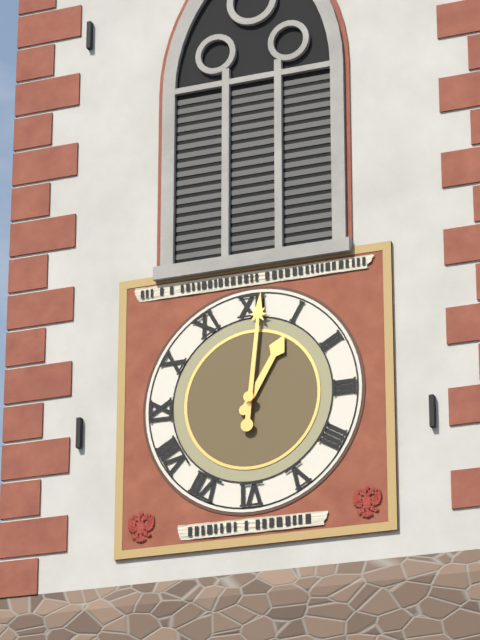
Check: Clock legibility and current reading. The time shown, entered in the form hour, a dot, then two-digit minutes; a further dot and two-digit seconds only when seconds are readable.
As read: 1.01
